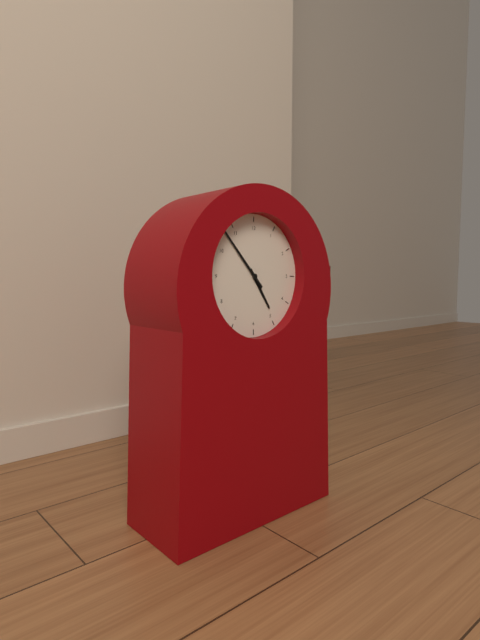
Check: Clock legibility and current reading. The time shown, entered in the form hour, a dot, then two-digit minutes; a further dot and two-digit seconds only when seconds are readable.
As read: 4.53
